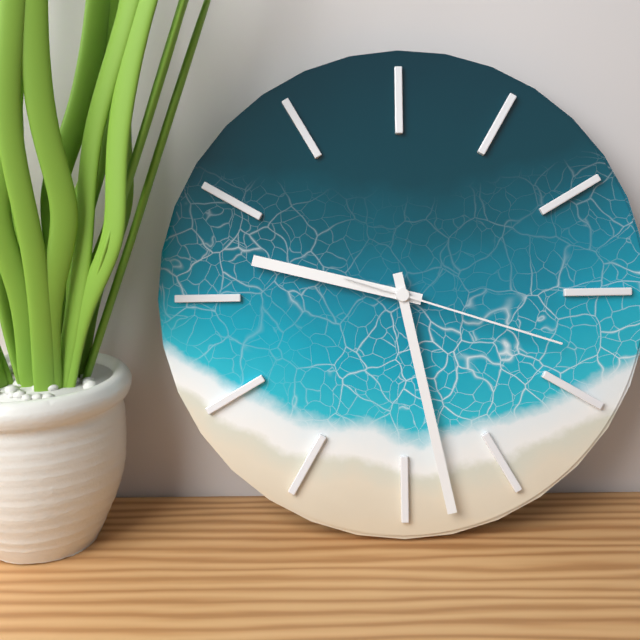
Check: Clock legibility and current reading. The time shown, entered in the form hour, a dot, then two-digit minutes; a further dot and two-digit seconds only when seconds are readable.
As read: 9.28.18
